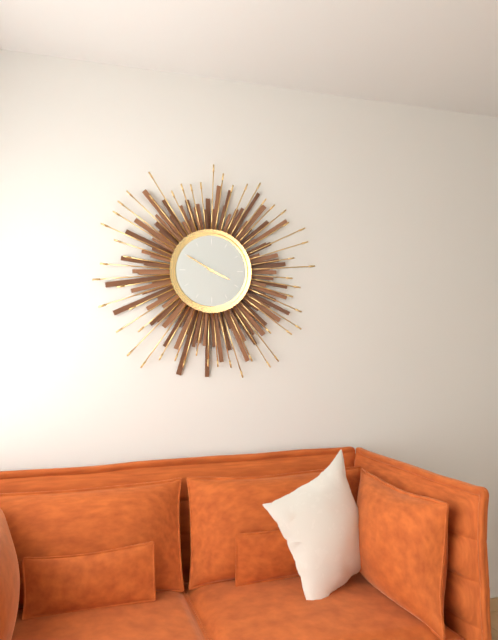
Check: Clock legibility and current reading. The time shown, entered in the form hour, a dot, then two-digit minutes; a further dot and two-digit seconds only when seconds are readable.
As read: 3.50
